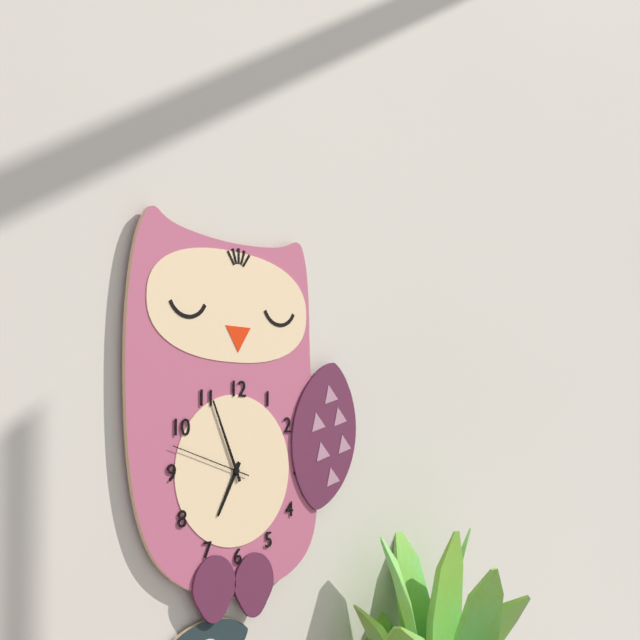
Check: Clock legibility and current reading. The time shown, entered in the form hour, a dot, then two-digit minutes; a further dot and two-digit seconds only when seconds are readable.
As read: 6.56.48
